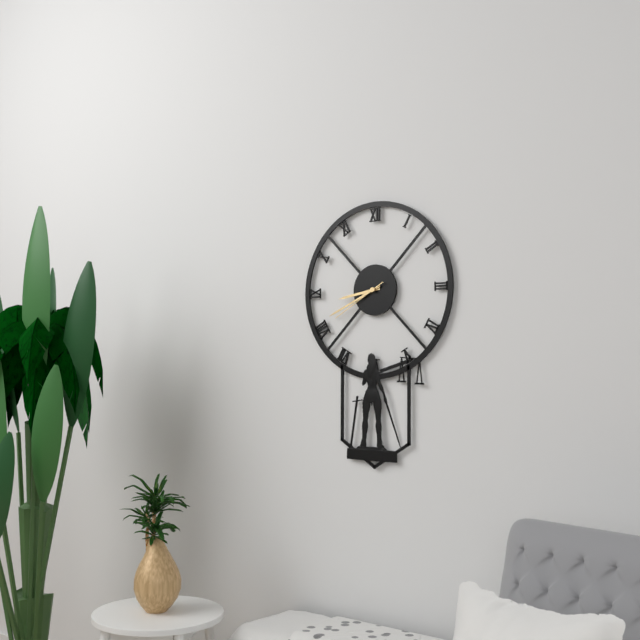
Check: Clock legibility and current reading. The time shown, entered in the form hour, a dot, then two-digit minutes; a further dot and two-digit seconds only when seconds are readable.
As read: 8.41.40
